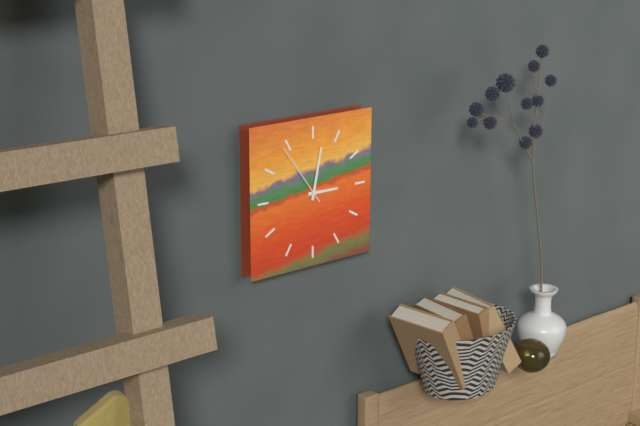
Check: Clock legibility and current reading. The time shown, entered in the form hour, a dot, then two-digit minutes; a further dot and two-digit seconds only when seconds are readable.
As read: 3.02.54
